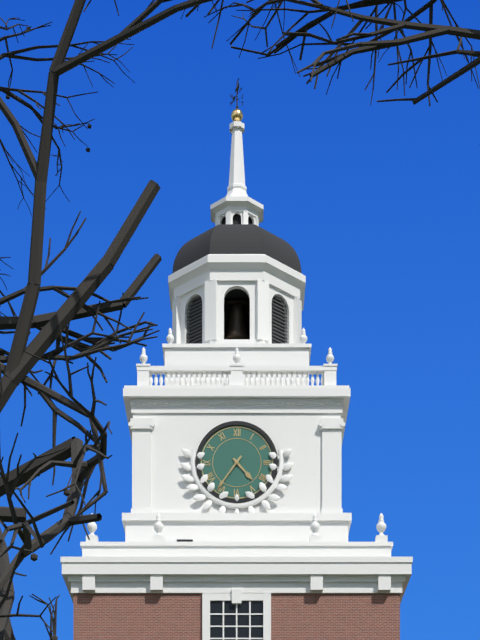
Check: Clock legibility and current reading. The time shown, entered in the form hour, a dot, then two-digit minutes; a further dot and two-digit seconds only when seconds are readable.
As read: 4.36
